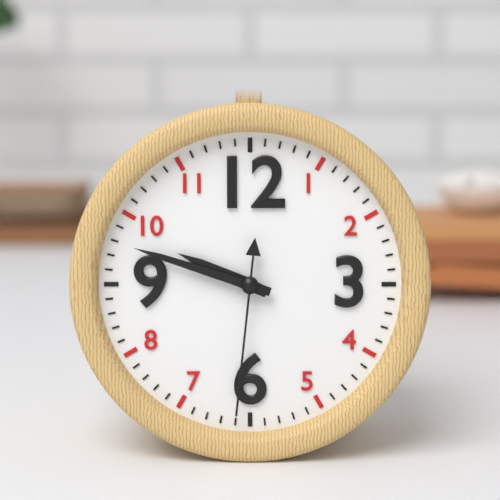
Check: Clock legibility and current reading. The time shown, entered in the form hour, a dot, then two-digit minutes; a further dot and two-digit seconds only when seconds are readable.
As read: 9.48.31
